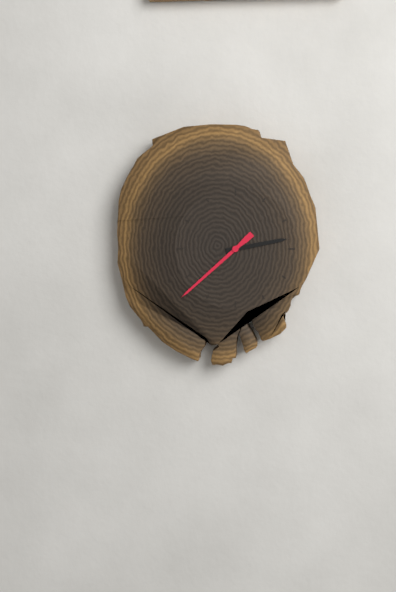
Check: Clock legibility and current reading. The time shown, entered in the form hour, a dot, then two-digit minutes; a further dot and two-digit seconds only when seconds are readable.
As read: 2.38
